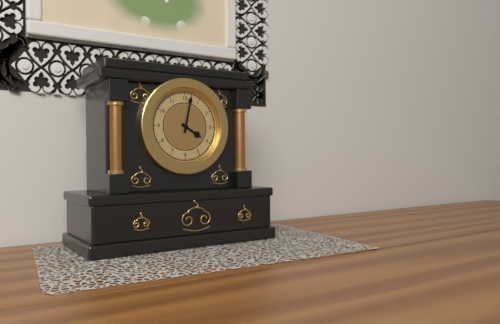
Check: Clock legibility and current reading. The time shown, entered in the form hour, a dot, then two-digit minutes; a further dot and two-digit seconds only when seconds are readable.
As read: 4.02
